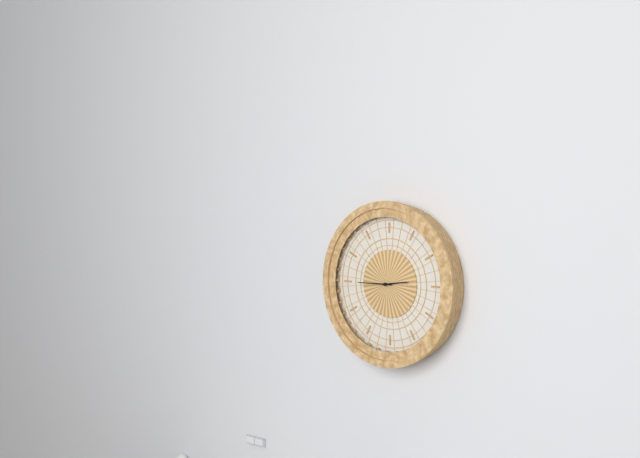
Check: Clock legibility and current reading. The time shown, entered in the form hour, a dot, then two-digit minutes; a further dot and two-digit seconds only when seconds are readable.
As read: 2.45
